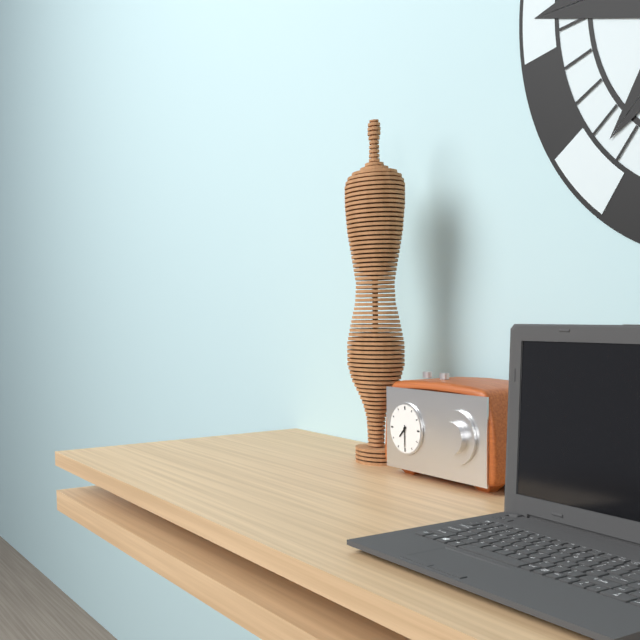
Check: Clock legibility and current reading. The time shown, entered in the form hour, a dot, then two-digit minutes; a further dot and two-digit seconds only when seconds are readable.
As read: 7.30
